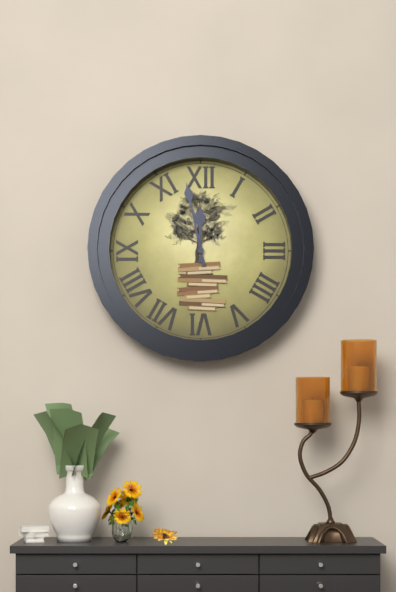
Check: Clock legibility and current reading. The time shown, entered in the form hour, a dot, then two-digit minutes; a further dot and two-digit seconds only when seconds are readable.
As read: 11.58
